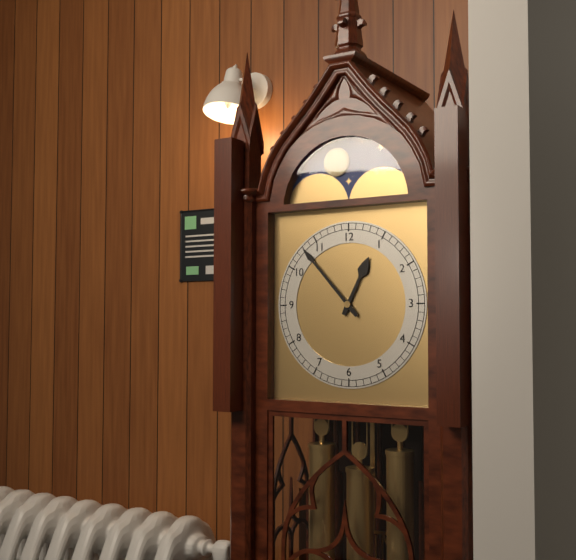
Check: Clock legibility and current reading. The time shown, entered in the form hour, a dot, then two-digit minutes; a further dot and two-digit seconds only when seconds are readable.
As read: 12.53
